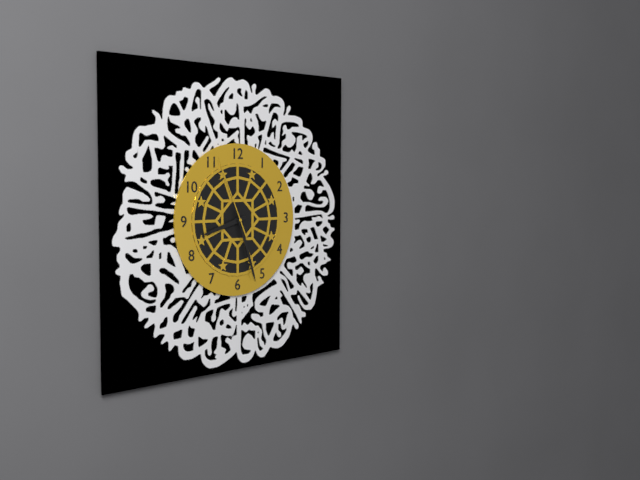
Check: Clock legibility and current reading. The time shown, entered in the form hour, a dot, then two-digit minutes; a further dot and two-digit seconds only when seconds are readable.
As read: 8.27.56
